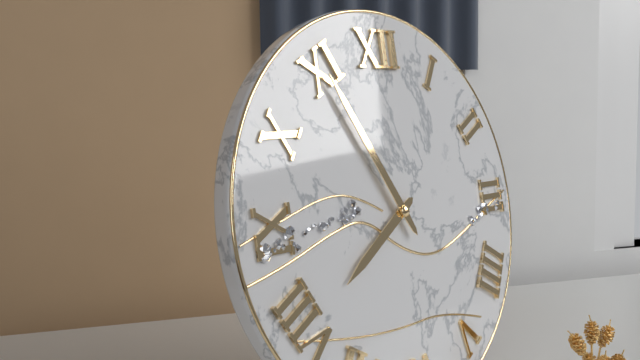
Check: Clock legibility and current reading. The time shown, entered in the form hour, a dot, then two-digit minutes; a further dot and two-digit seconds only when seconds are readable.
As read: 7.55
